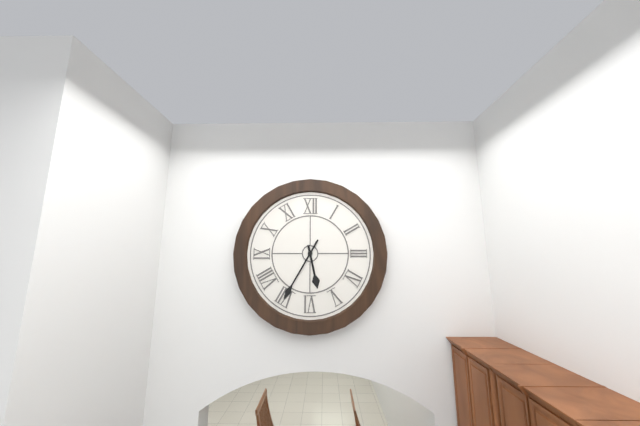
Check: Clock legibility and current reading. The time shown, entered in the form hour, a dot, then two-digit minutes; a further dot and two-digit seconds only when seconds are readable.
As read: 5.35
